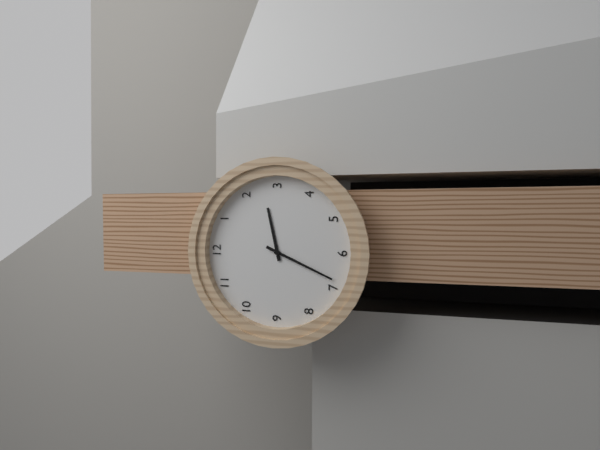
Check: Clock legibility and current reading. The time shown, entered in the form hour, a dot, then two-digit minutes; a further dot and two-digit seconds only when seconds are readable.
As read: 2.34
